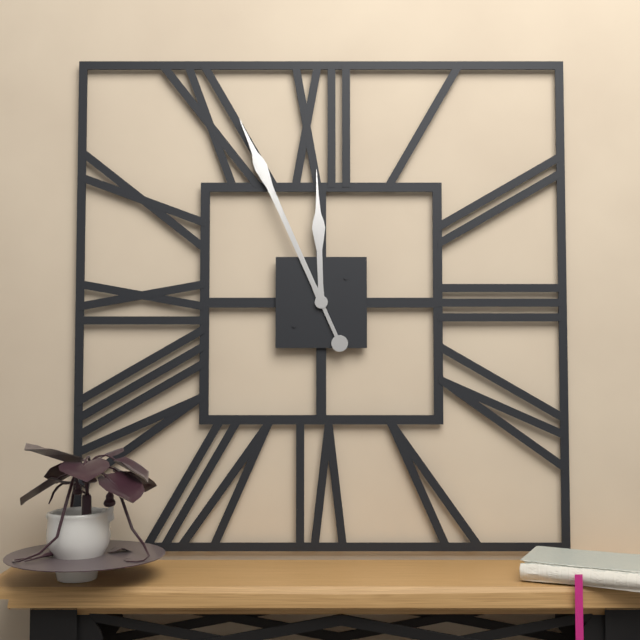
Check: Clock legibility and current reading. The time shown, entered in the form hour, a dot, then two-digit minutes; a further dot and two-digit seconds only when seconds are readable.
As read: 11.56
